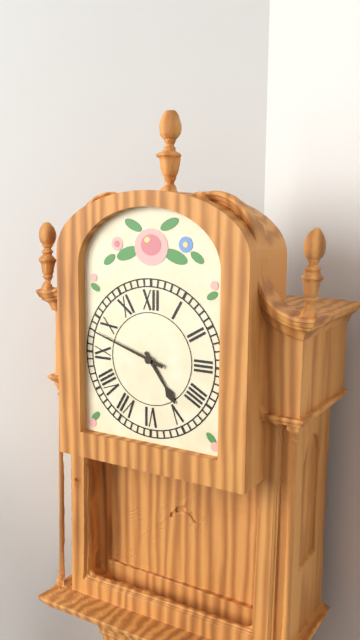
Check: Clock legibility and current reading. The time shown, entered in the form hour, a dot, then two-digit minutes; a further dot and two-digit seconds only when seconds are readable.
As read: 4.48
